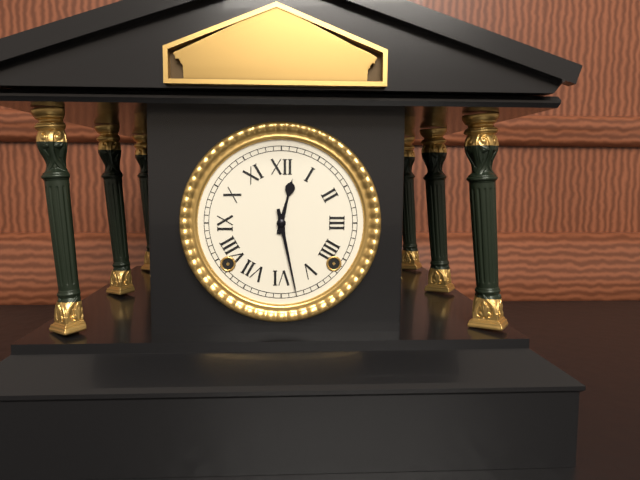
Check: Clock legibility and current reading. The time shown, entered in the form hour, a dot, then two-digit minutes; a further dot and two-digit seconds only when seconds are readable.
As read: 12.28
